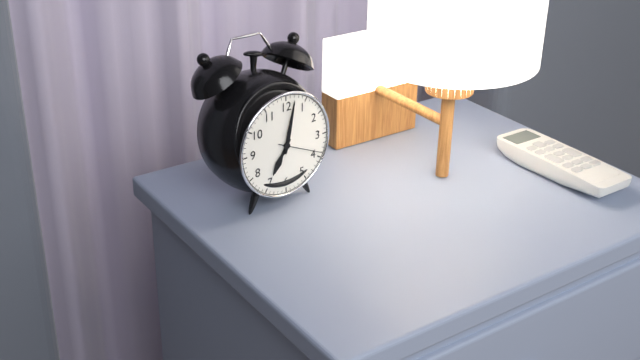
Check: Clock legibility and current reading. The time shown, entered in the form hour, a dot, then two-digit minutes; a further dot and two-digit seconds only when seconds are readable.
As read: 7.02
